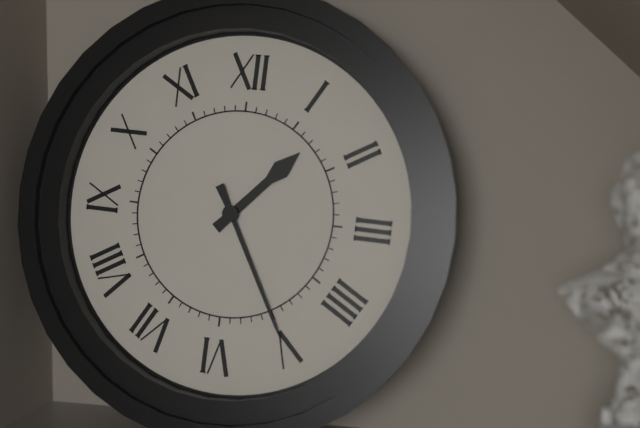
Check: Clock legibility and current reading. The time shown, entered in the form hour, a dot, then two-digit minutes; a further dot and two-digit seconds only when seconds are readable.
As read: 1.25
